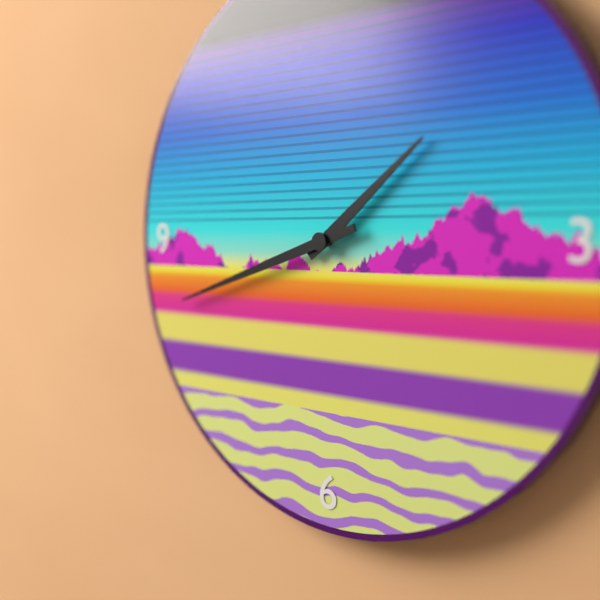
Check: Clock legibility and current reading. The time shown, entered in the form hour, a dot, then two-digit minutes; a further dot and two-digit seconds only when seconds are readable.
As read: 1.42
